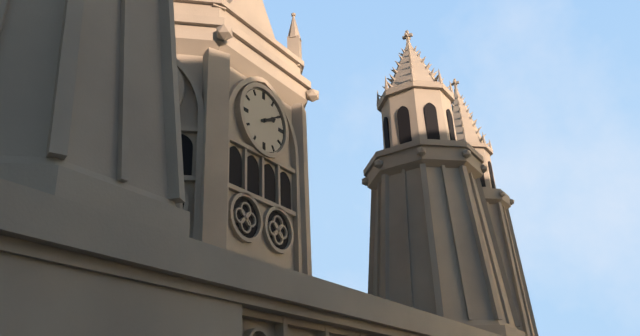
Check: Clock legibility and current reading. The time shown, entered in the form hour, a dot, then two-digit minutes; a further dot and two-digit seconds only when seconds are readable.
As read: 2.10
